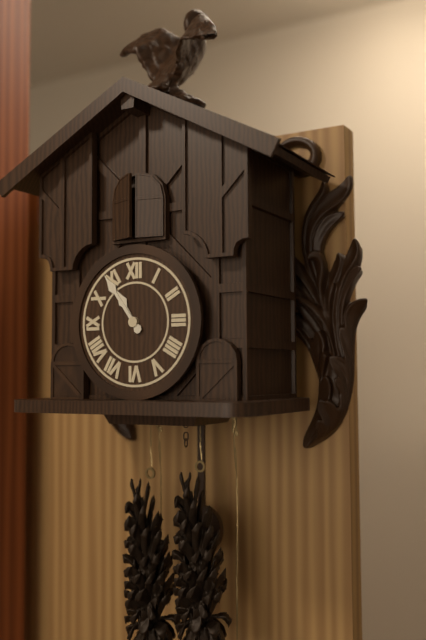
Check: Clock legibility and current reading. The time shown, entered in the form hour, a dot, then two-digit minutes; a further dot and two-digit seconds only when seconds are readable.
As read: 10.54
